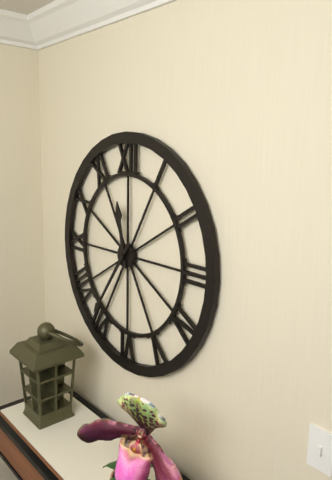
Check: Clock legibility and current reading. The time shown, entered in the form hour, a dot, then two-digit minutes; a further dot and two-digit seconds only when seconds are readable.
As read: 11.36
